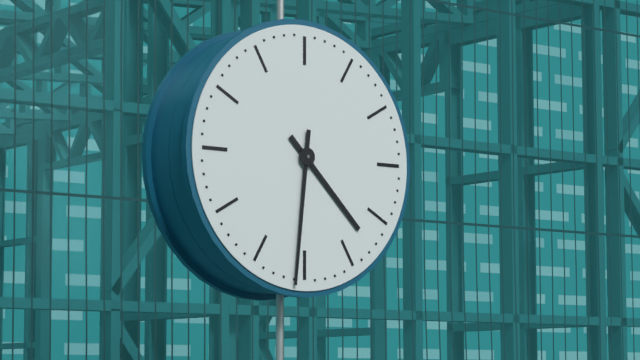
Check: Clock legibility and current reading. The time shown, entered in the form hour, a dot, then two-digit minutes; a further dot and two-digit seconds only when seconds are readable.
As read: 4.31
